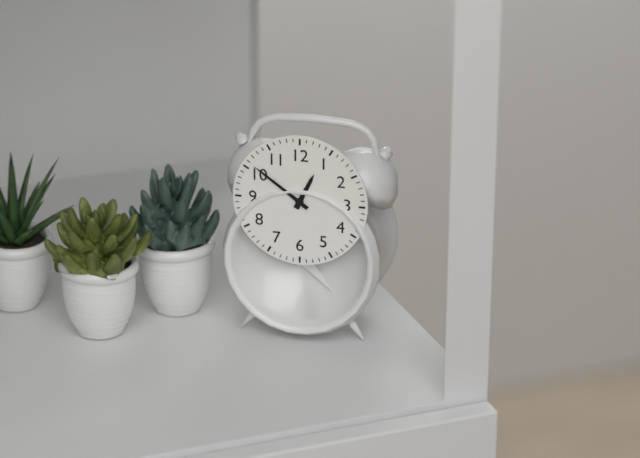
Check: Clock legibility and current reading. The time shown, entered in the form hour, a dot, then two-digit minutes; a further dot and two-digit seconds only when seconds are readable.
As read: 12.51
